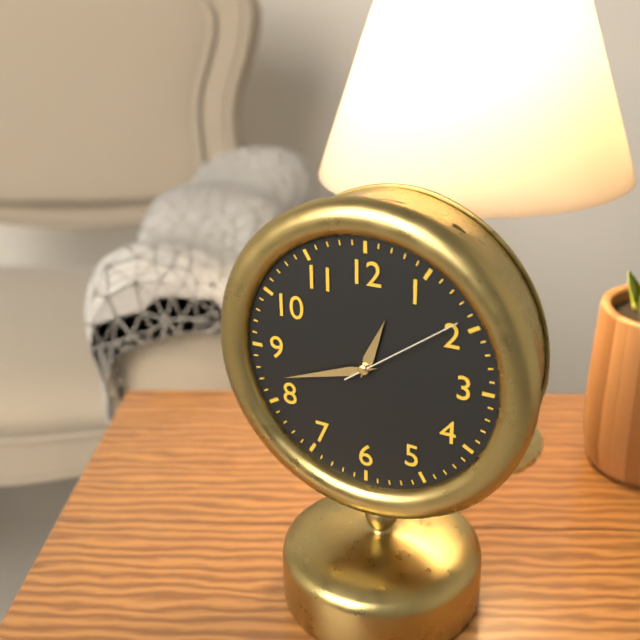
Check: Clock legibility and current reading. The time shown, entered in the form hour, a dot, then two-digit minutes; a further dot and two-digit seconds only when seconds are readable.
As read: 12.42.09
